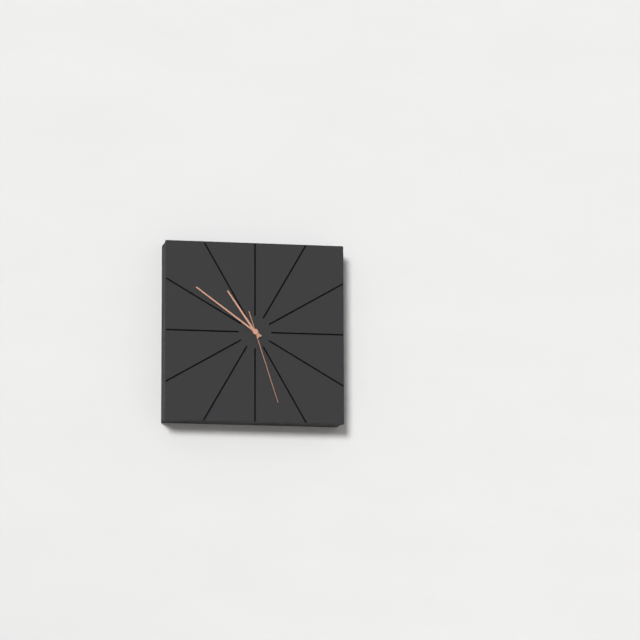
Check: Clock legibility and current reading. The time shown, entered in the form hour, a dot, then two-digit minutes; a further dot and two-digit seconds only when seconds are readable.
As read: 10.51.27
